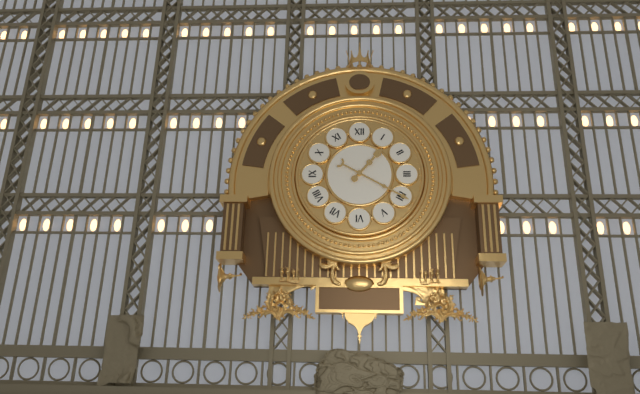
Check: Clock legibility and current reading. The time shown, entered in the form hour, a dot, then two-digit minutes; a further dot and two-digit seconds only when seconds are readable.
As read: 1.20
